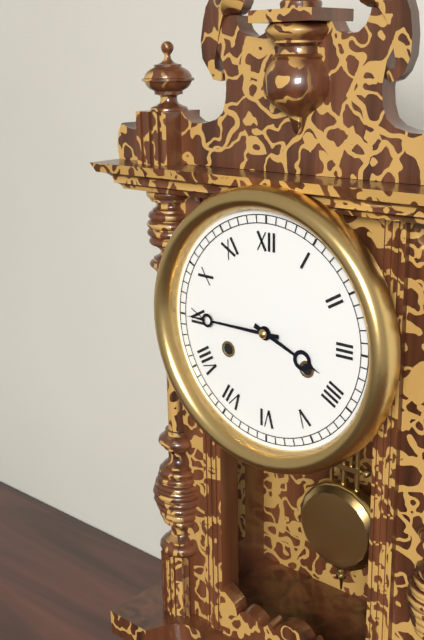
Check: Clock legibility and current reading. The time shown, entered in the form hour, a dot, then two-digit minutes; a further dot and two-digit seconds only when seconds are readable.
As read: 3.45
